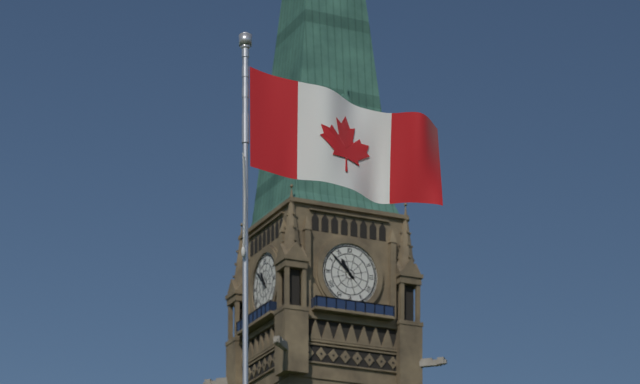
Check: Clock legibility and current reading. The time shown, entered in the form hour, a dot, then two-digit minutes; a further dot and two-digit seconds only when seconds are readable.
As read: 10.52
